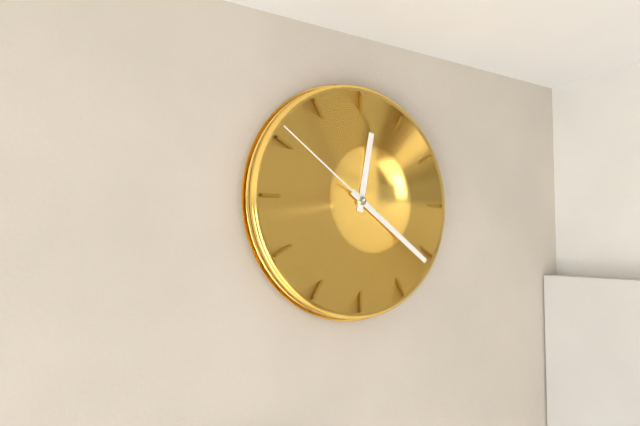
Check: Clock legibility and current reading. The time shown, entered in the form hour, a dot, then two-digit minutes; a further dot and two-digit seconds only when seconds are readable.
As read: 12.21.51
